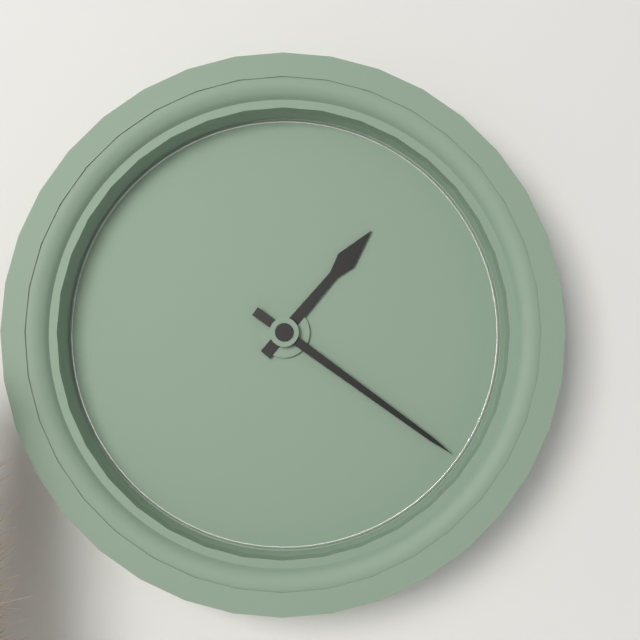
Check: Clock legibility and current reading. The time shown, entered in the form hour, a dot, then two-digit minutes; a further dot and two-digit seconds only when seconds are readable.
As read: 1.21
